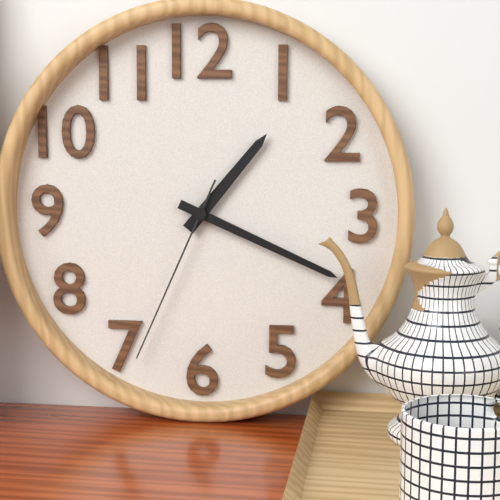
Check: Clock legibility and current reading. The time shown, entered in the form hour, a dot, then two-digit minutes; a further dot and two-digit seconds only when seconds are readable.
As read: 1.19.34
